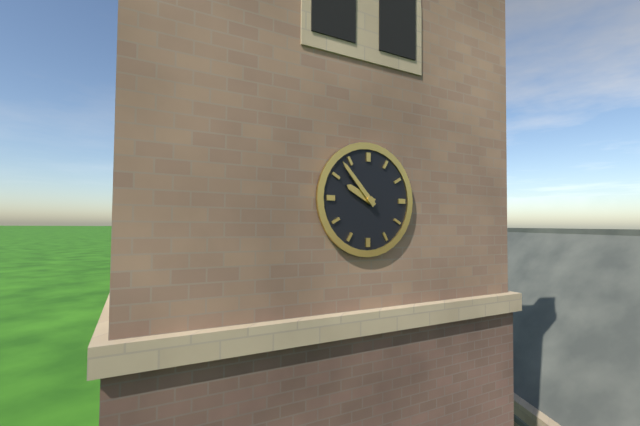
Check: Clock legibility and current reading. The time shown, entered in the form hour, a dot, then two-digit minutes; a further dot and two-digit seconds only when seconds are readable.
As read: 9.53
